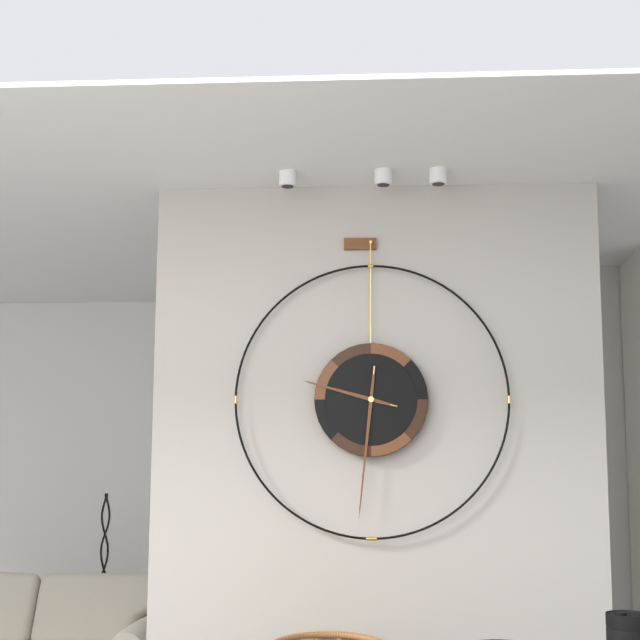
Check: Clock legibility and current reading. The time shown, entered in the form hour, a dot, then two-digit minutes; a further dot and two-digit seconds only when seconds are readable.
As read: 9.31
